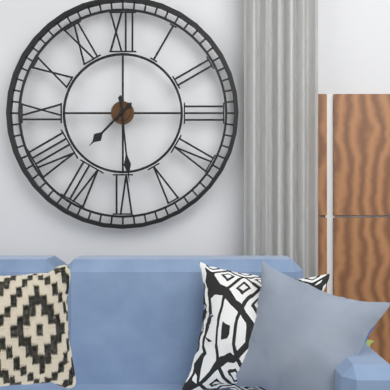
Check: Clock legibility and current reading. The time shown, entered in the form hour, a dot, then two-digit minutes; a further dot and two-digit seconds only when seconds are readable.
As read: 7.29
